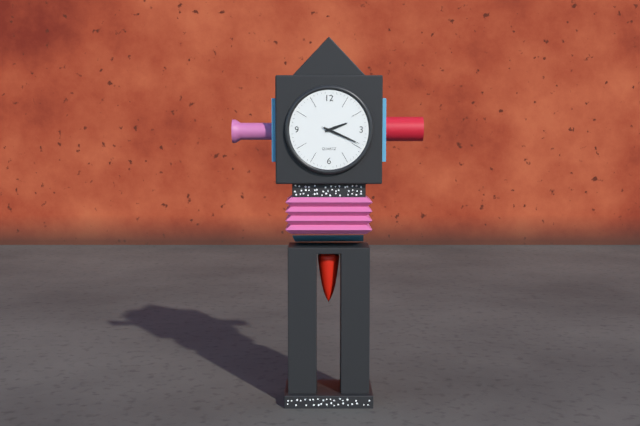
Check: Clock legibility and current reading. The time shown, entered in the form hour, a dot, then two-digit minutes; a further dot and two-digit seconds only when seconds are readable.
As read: 2.19
